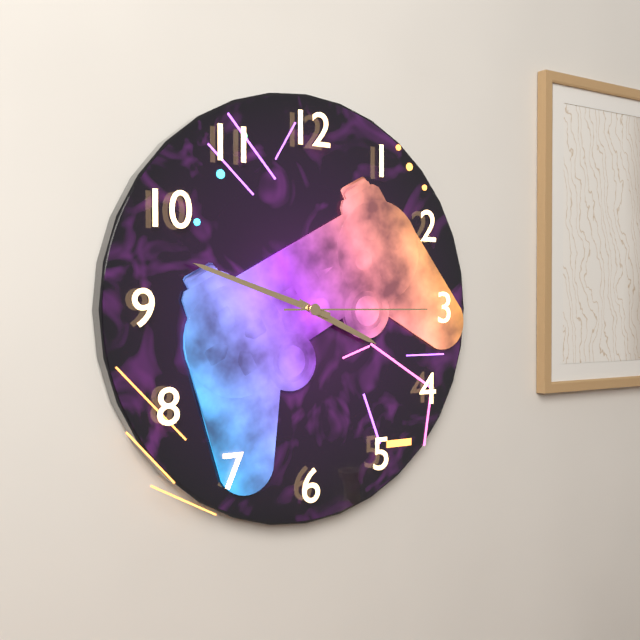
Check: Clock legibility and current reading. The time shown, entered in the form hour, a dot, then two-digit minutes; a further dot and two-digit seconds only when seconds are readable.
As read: 3.48.15
